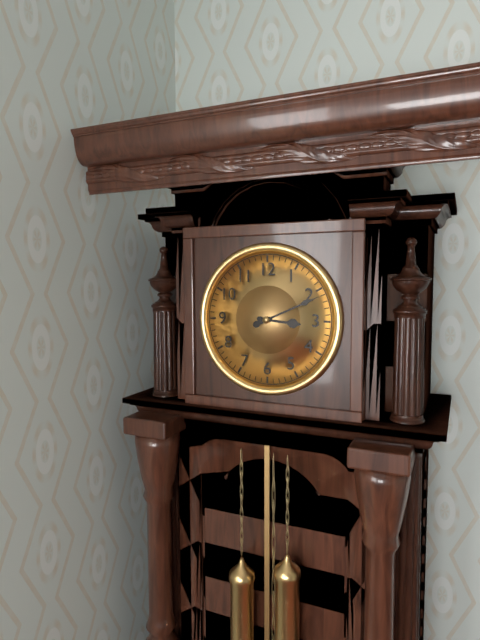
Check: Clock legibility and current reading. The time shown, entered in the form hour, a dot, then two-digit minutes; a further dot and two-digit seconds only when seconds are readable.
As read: 3.11
